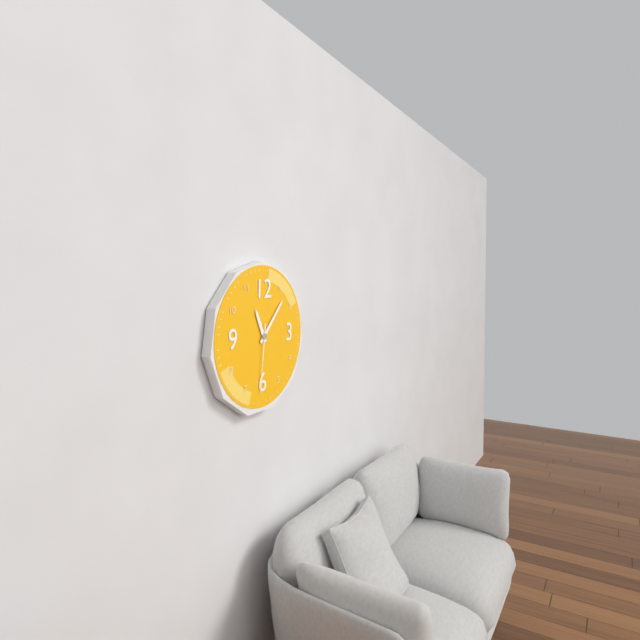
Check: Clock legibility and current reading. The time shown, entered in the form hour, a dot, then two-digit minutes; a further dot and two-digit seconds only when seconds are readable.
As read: 11.07.31
